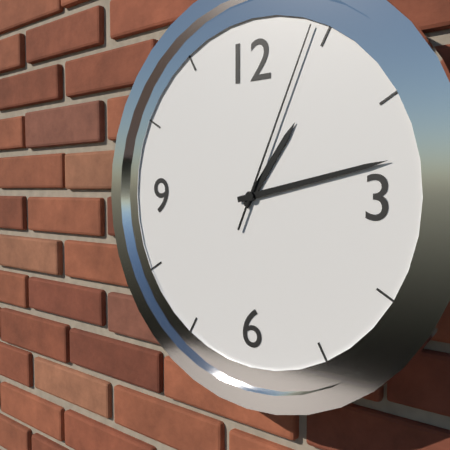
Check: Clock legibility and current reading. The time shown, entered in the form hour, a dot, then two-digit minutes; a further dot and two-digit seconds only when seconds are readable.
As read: 1.13.04
